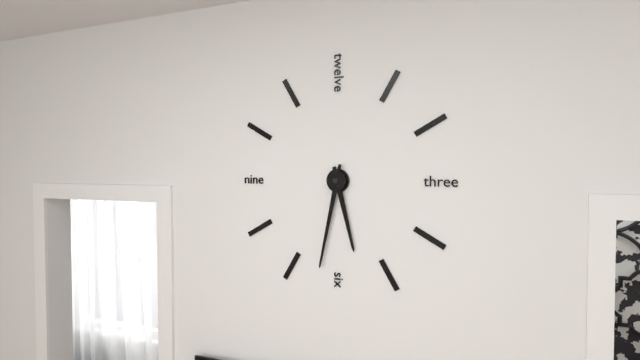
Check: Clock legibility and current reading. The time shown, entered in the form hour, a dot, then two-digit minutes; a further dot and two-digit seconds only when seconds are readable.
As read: 5.32
